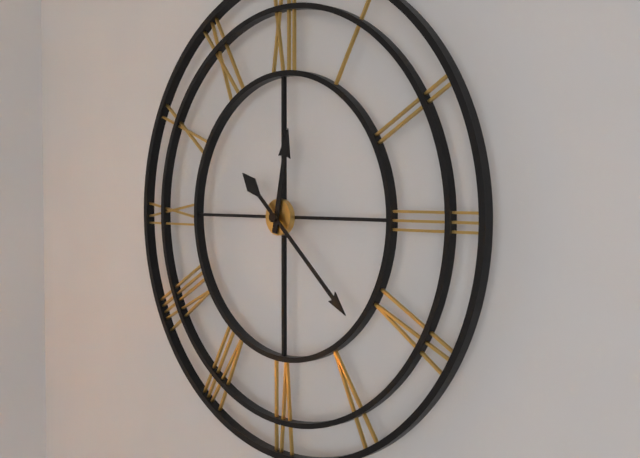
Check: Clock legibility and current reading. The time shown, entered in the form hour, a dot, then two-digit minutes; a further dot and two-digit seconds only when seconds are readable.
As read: 12.22
